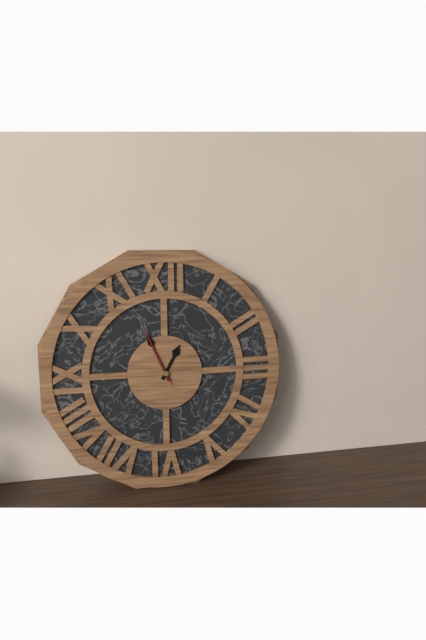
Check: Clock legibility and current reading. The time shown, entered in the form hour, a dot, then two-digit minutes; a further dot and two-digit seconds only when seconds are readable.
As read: 12.56.56
